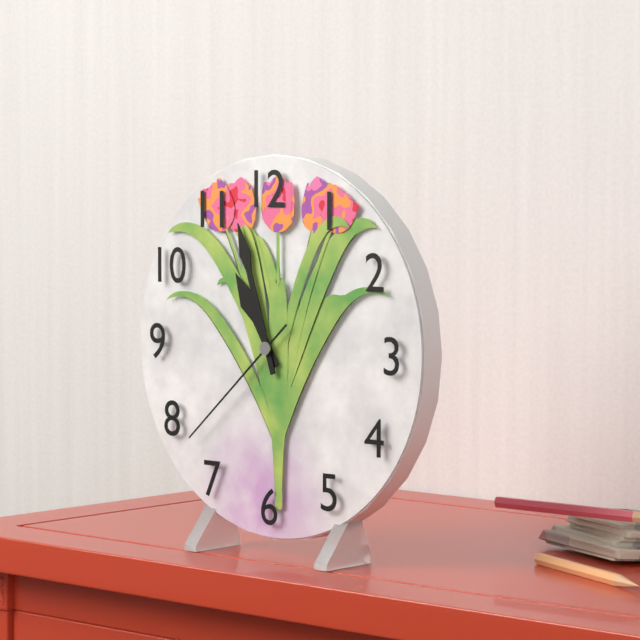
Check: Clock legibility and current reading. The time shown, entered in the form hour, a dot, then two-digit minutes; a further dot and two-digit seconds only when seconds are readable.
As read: 10.57.38
